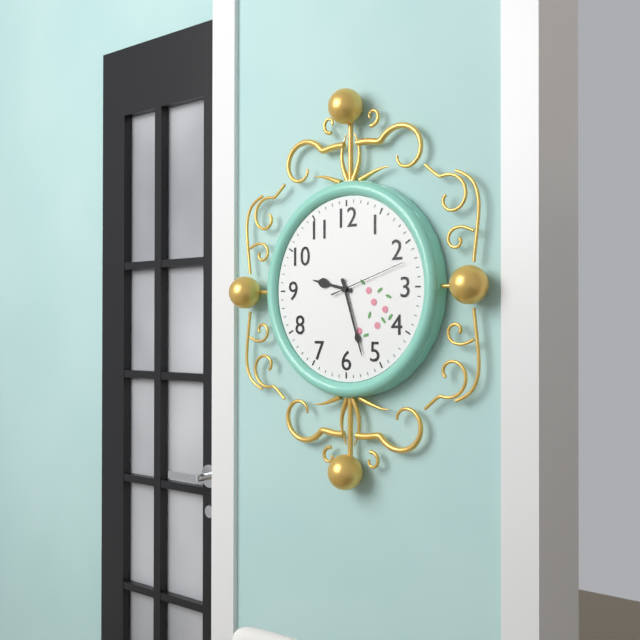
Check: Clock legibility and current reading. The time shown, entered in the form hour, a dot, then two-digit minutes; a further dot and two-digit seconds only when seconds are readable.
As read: 9.27.12
